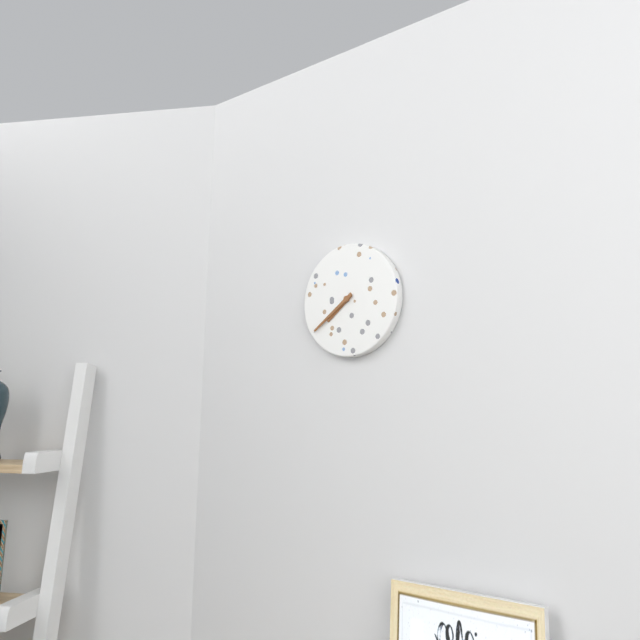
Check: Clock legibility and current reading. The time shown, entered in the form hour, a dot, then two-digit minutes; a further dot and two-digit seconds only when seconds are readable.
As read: 7.39
